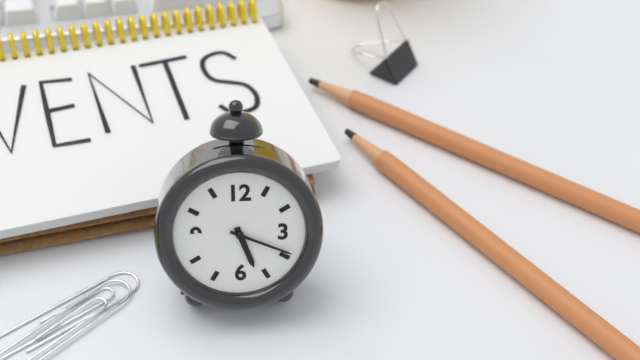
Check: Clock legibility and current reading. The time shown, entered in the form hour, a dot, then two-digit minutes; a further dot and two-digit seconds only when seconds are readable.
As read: 5.19
